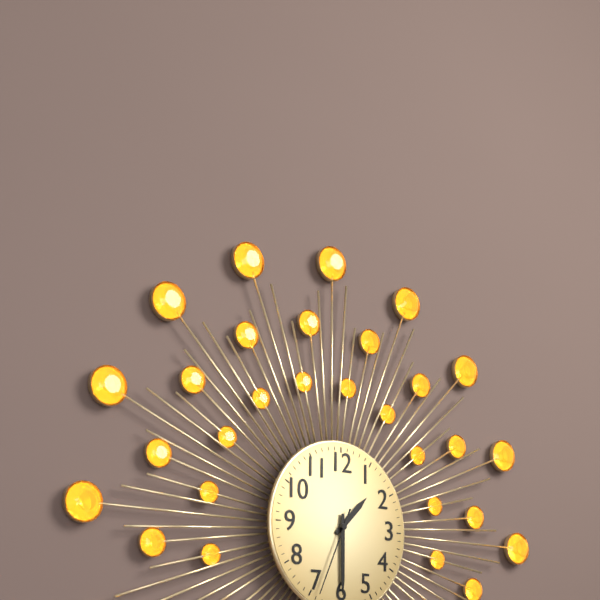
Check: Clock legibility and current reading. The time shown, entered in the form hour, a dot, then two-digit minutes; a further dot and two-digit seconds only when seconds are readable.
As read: 1.30.34
